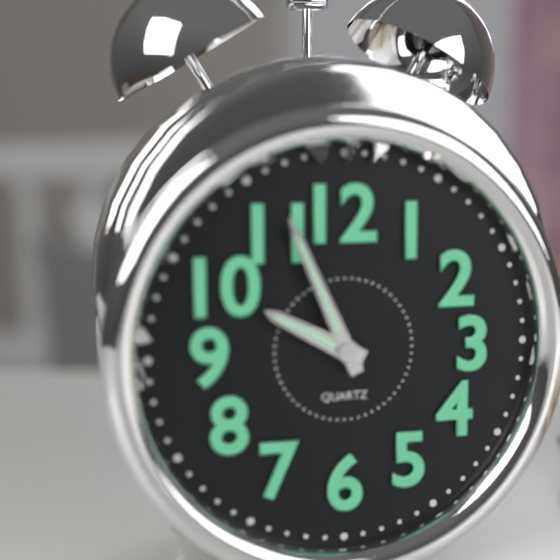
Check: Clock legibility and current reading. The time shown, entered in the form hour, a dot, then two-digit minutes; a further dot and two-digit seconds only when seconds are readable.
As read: 9.56
